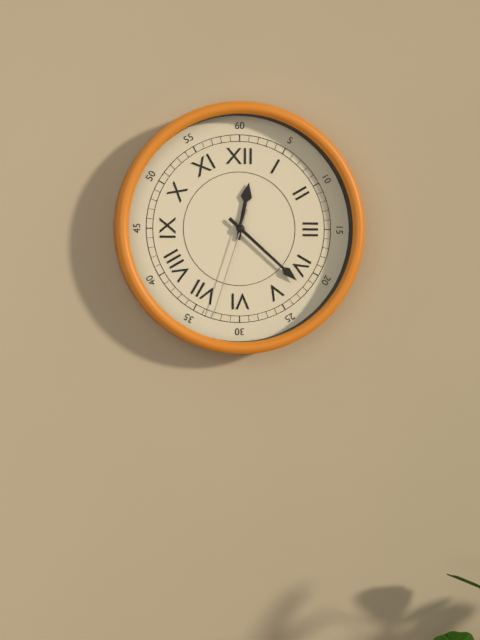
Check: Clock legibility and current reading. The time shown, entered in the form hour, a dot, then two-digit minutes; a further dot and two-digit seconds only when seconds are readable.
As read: 12.22.33
